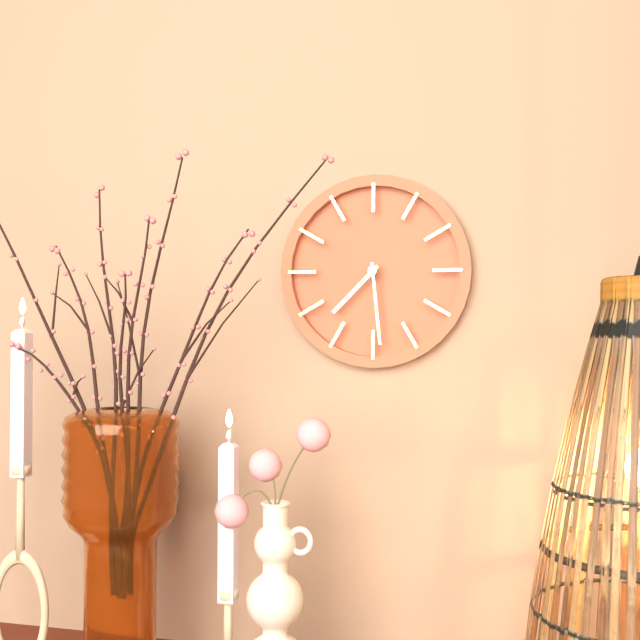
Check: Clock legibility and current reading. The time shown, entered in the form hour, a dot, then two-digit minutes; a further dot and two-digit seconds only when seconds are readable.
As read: 7.29
